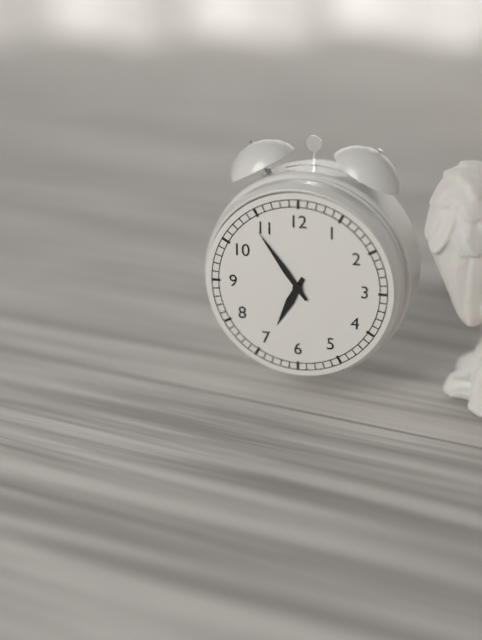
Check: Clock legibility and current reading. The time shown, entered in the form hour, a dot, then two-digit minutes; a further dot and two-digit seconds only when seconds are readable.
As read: 6.54
